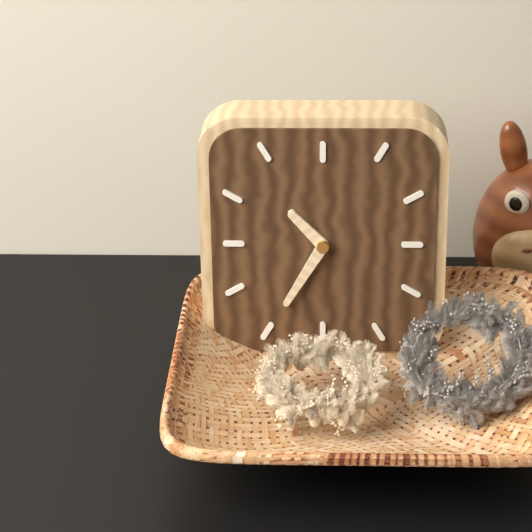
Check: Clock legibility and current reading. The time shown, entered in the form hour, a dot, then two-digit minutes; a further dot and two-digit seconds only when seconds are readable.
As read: 10.35
